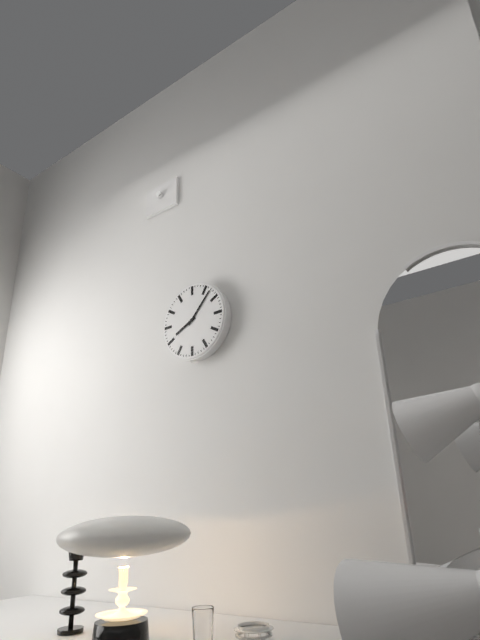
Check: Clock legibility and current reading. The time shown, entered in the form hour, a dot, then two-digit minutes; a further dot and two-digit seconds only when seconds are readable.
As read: 8.07
